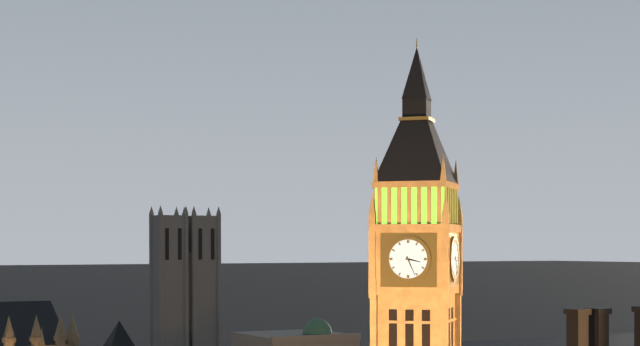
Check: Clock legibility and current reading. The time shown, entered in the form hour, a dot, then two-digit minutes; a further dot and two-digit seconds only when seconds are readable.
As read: 3.26
